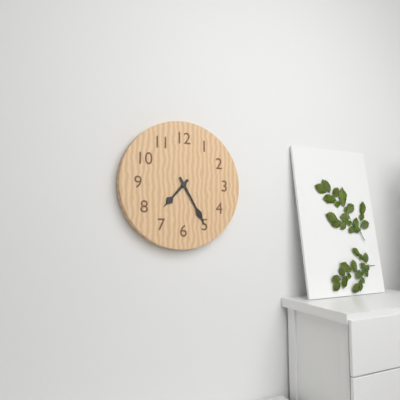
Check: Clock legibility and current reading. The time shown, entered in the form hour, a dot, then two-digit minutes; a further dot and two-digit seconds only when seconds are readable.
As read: 7.25
